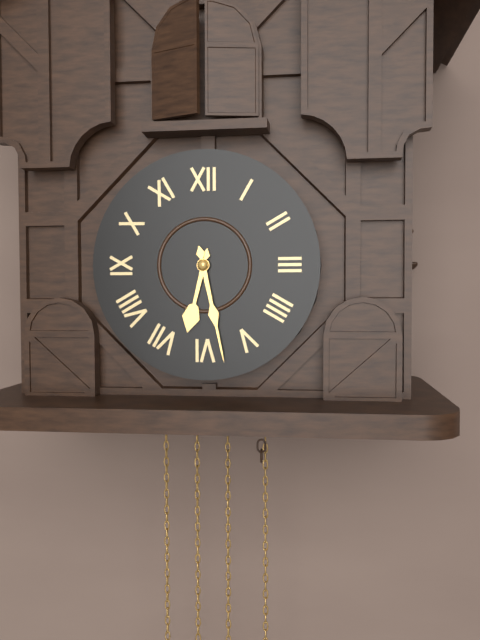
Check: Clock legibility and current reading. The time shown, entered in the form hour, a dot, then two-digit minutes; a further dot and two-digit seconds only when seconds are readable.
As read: 6.28
